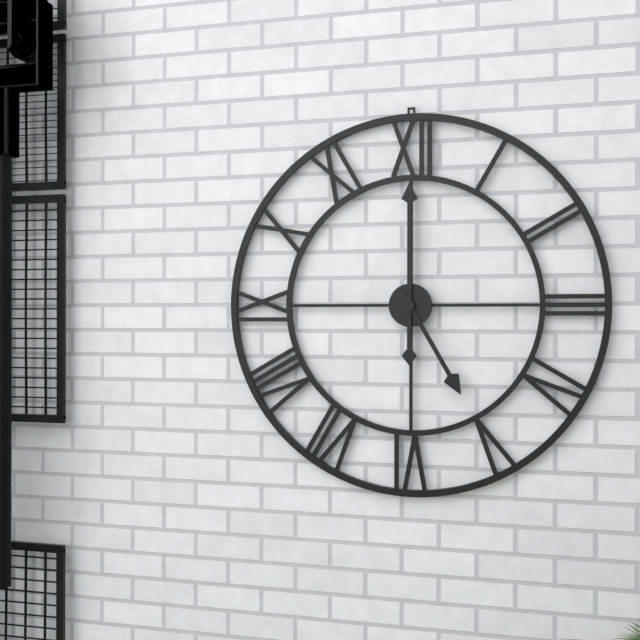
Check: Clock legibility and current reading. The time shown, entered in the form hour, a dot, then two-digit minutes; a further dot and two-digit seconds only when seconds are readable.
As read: 5.00
